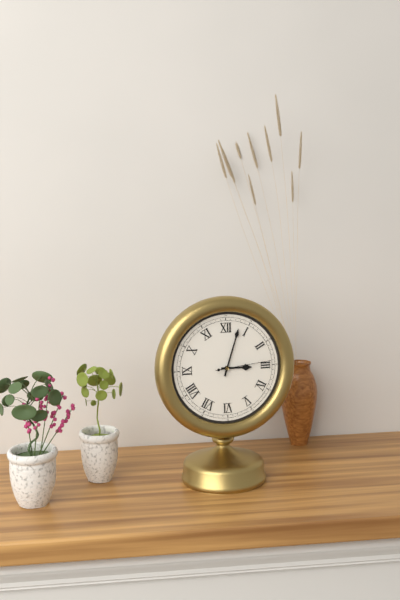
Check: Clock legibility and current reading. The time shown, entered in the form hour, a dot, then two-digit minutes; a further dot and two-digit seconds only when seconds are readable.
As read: 3.03.14
